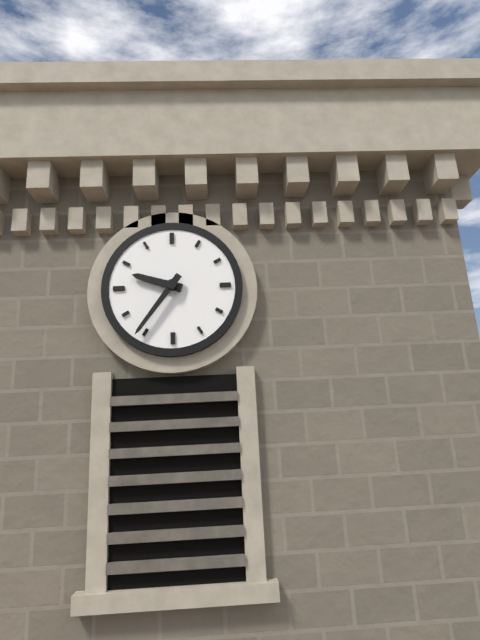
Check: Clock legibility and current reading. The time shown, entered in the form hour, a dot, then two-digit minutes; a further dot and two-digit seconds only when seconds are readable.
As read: 9.36
